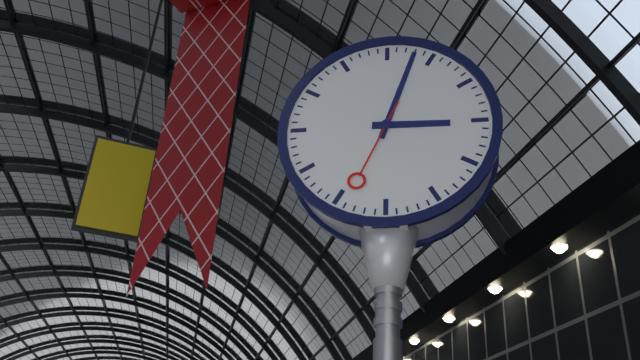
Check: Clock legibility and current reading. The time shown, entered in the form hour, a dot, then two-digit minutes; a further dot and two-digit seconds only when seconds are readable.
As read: 3.03.34
